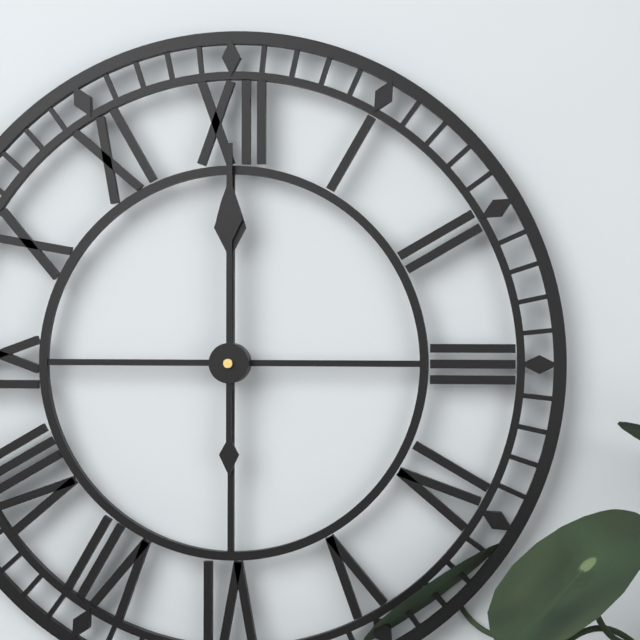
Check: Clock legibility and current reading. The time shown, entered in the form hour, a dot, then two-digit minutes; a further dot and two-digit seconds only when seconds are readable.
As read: 12.00
